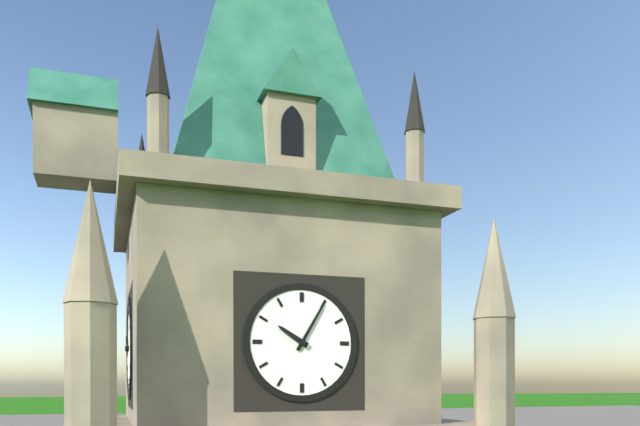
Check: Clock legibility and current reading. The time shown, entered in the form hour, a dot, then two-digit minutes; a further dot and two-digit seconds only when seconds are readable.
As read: 10.05
